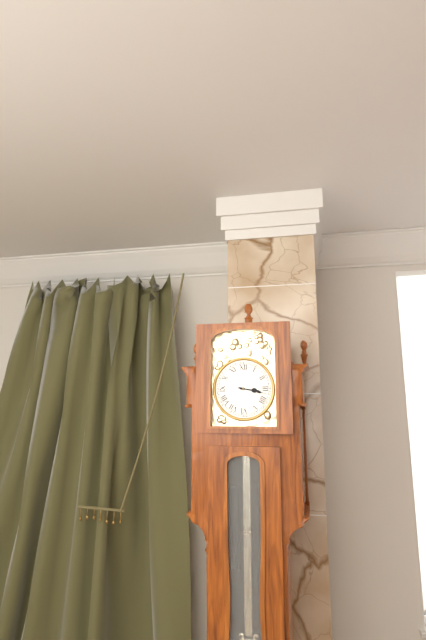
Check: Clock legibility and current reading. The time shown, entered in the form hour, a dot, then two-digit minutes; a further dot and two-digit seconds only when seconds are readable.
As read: 3.17
